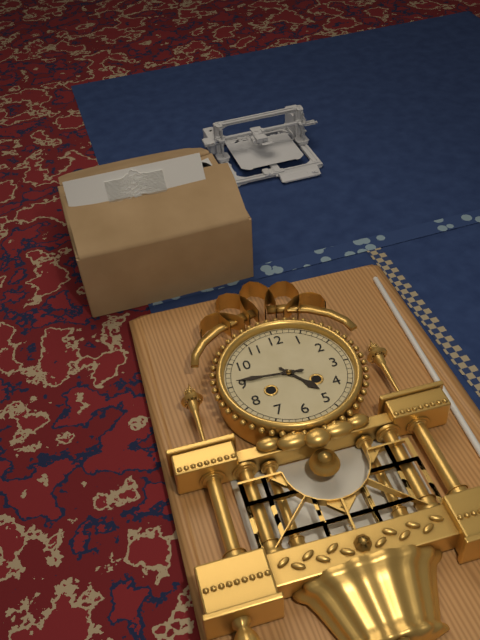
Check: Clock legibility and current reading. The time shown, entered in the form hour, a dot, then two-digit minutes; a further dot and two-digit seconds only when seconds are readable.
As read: 4.46
